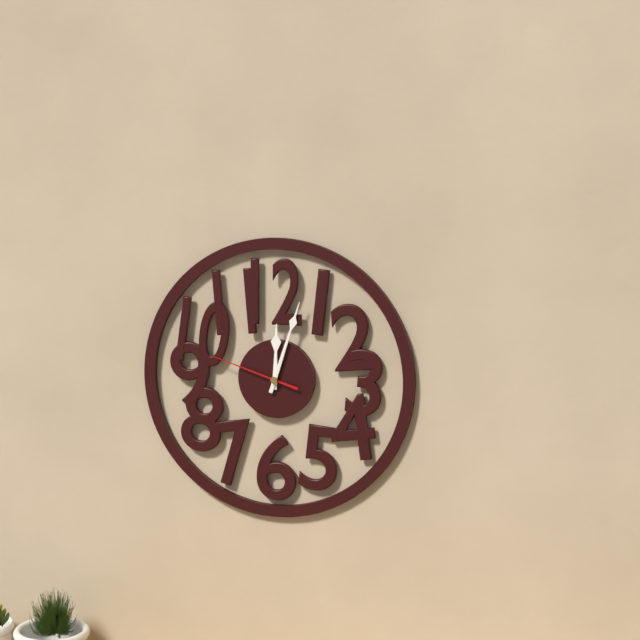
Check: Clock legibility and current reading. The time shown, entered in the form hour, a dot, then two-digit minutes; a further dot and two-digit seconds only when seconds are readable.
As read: 12.03.48
